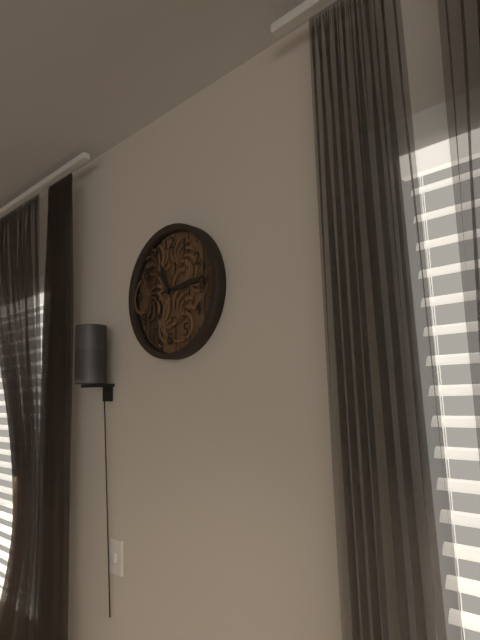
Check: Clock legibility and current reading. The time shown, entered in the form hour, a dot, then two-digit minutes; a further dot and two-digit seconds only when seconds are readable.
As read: 11.14
